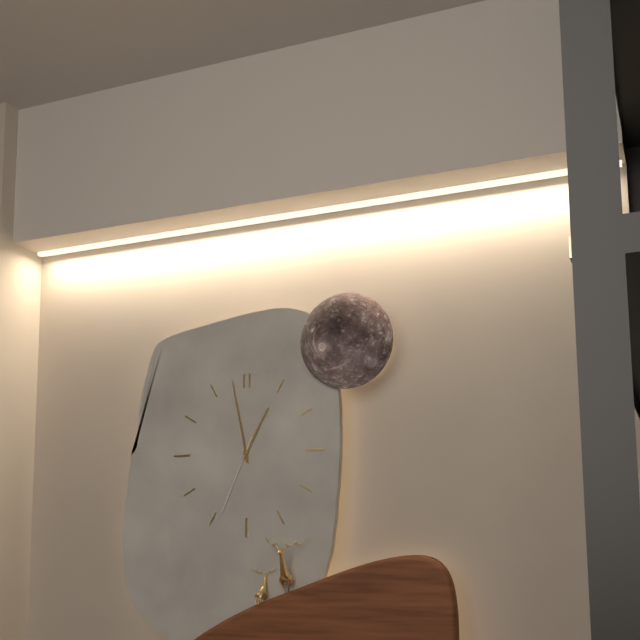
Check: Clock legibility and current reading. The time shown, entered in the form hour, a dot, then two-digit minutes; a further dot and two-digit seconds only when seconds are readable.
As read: 12.58.34
